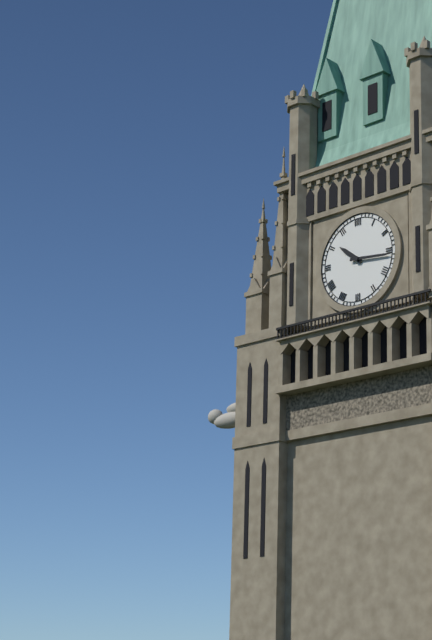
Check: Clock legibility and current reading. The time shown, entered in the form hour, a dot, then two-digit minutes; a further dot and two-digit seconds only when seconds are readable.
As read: 10.16
